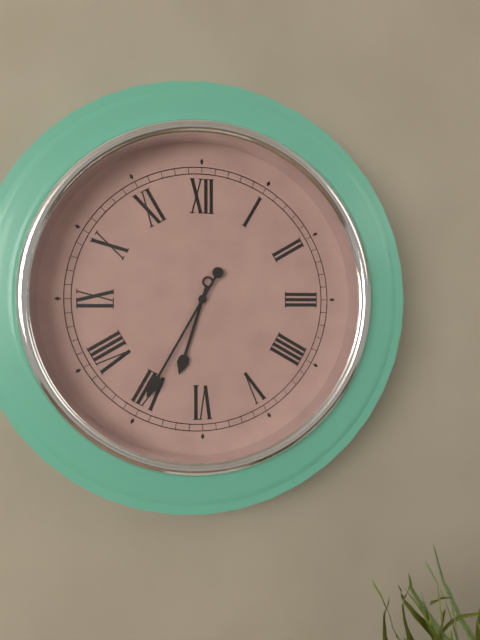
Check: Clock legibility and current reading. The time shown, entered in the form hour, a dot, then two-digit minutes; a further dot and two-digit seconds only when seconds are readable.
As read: 6.35
